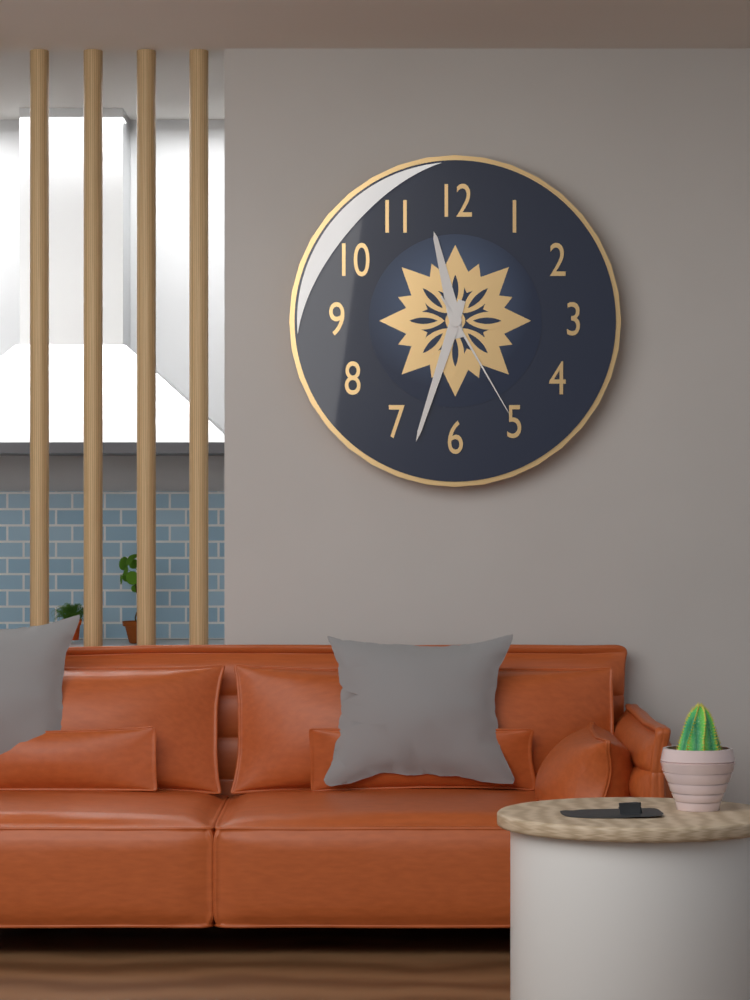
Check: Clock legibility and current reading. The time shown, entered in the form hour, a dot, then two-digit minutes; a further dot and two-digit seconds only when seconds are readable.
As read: 11.33.25
